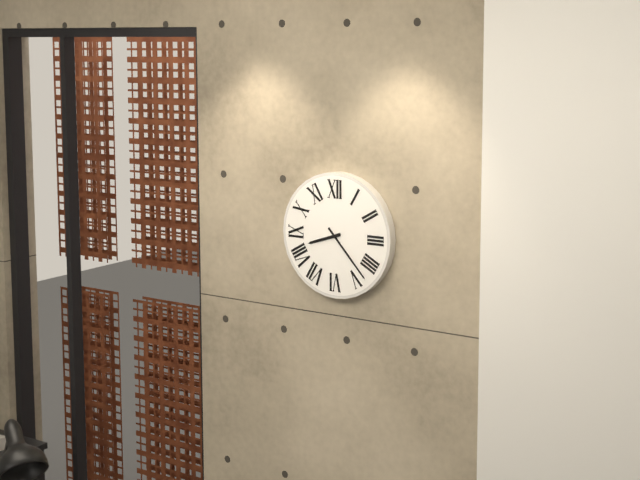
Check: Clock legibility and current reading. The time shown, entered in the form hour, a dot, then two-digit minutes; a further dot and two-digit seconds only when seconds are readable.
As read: 8.23
